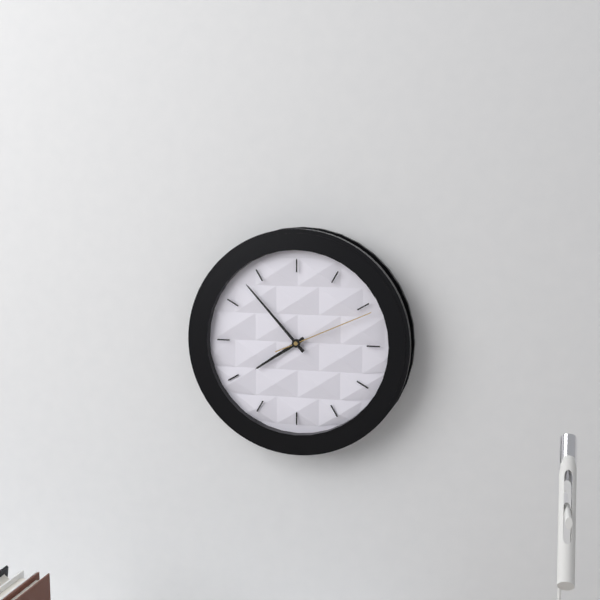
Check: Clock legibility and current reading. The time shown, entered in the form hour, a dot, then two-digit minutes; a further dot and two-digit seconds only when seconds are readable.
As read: 7.53.11
